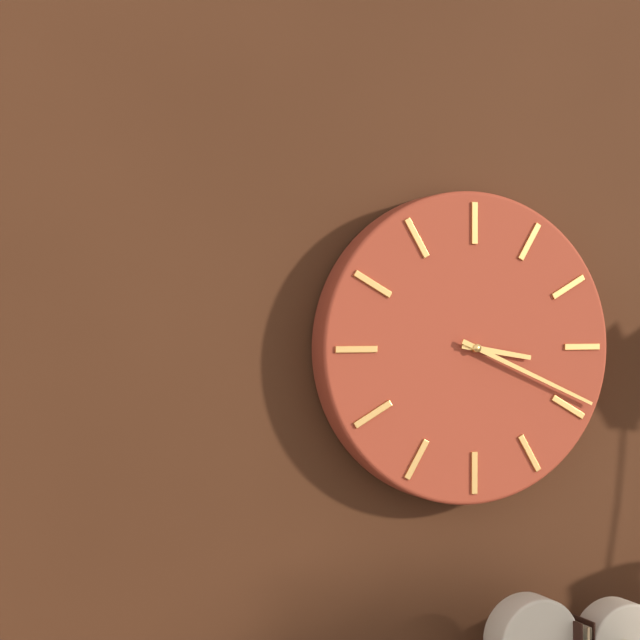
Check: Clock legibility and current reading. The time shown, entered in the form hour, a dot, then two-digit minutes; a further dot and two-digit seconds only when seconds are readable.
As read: 3.19
